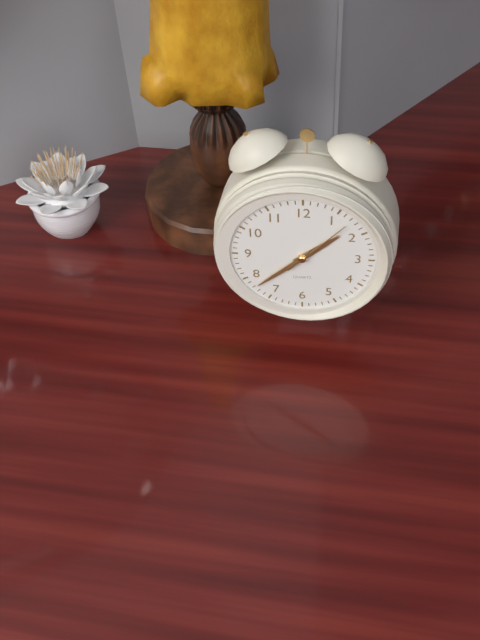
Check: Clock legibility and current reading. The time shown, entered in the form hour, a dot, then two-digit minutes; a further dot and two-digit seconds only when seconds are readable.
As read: 1.38.07
